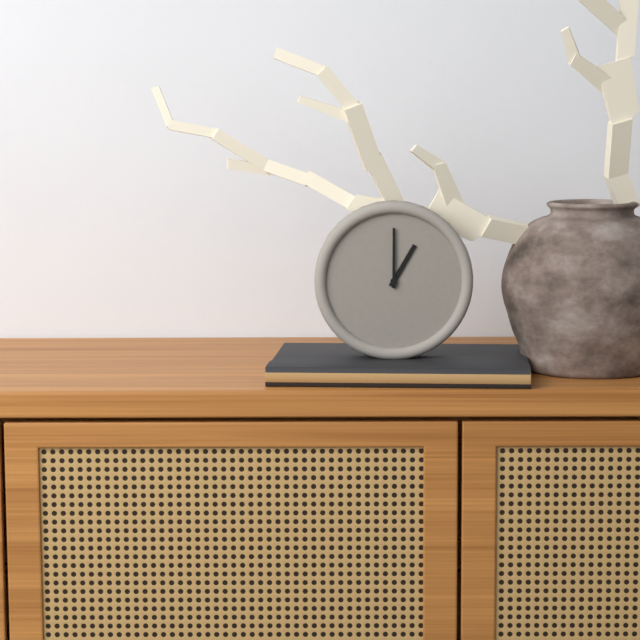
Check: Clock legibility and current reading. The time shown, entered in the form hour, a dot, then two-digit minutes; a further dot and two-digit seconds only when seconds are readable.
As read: 1.00
